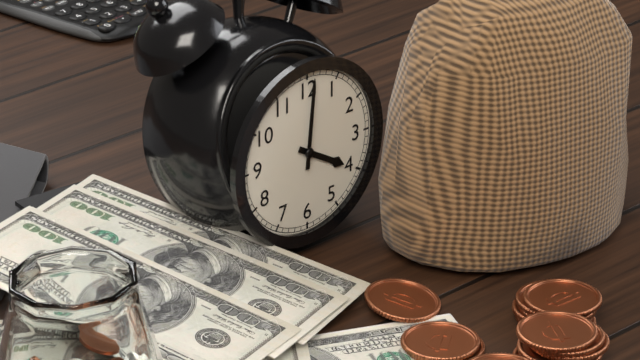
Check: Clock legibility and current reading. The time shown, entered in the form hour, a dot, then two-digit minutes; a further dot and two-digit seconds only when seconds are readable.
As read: 4.01
